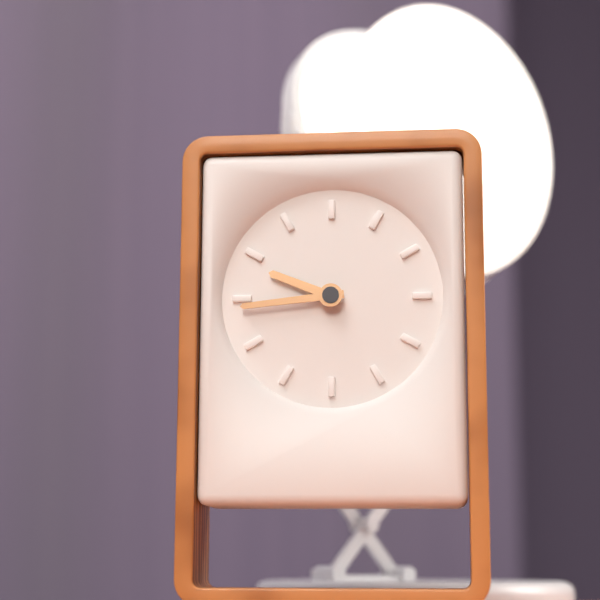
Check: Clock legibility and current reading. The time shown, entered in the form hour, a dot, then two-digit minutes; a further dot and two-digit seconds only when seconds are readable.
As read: 9.44
